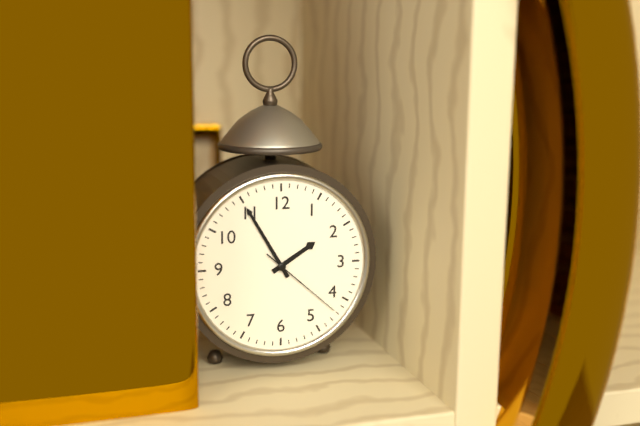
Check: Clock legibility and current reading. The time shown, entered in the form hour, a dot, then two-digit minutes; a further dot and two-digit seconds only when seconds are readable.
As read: 1.55.22
